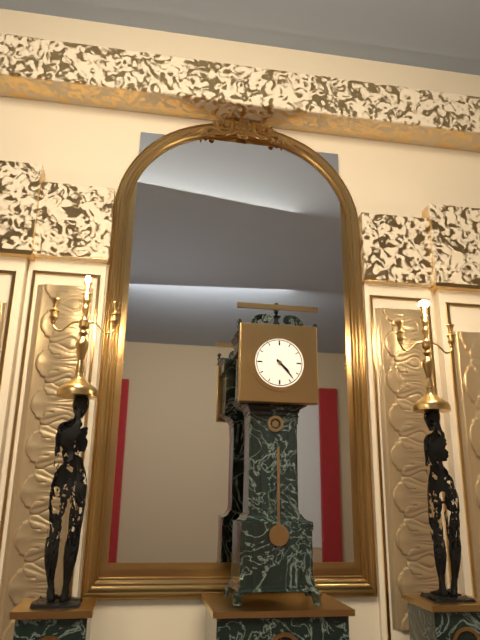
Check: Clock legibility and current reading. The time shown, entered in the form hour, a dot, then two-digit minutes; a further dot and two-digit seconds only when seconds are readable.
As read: 4.23
